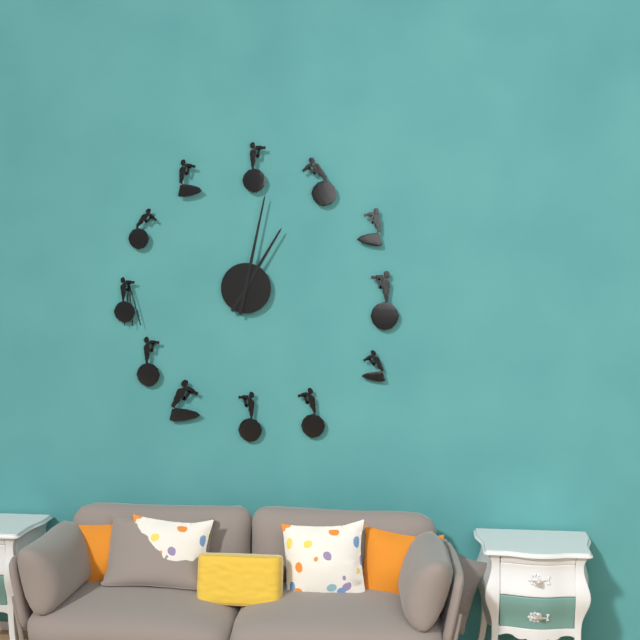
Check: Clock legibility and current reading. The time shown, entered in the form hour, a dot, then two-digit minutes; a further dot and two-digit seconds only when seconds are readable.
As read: 1.02
